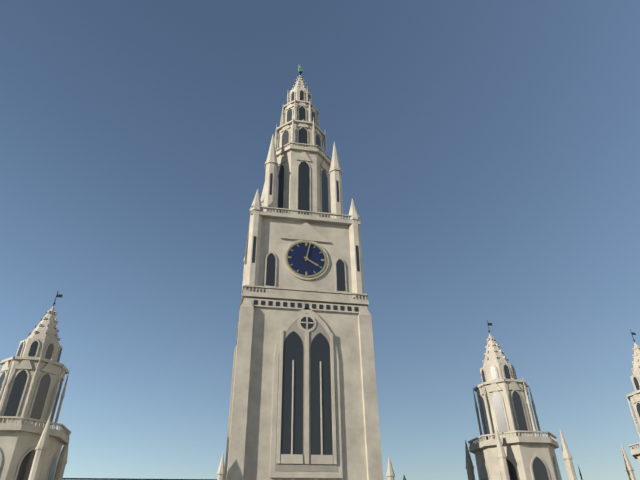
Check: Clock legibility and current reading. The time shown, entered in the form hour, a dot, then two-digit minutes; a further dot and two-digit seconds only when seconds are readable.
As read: 4.02
